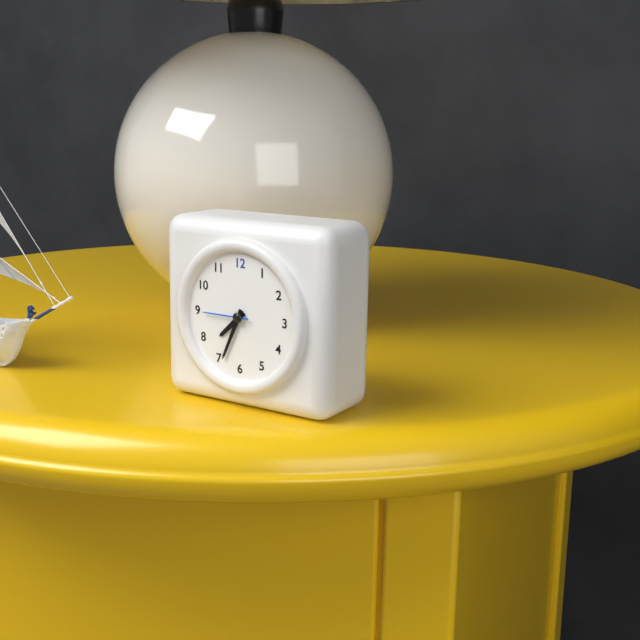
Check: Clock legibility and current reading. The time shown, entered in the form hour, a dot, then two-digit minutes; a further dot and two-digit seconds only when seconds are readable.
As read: 7.34
